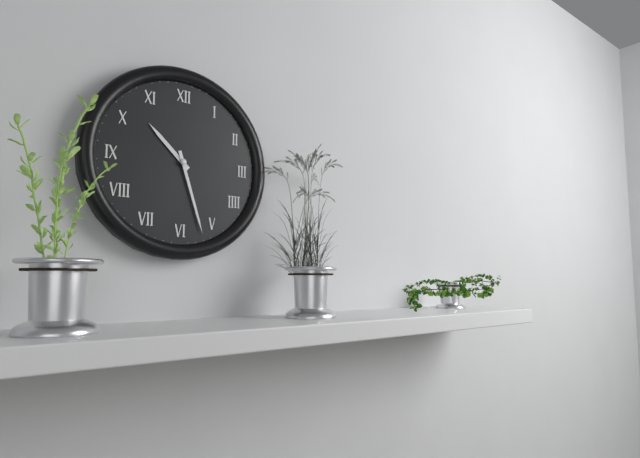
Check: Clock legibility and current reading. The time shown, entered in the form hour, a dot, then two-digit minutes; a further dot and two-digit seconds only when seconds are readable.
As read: 10.27
